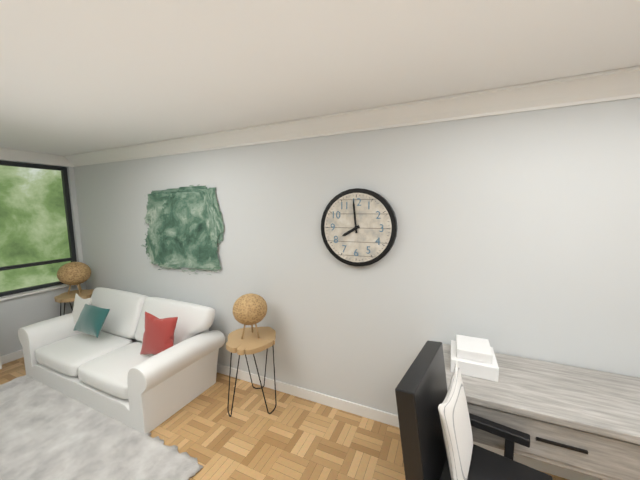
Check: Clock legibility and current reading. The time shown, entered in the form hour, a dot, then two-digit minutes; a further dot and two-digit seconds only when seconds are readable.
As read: 7.59
